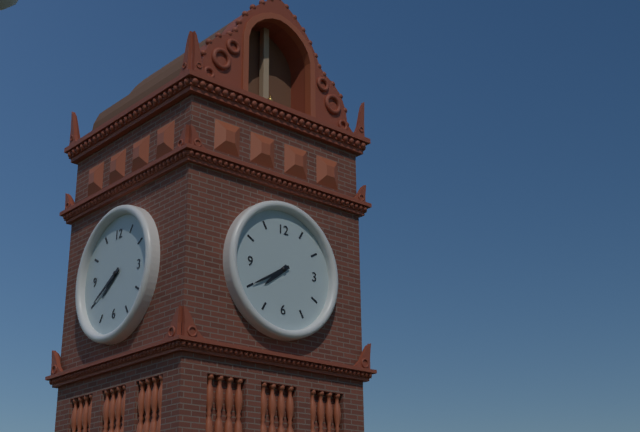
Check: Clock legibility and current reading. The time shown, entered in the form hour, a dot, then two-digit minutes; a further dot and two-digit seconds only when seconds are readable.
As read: 7.40
